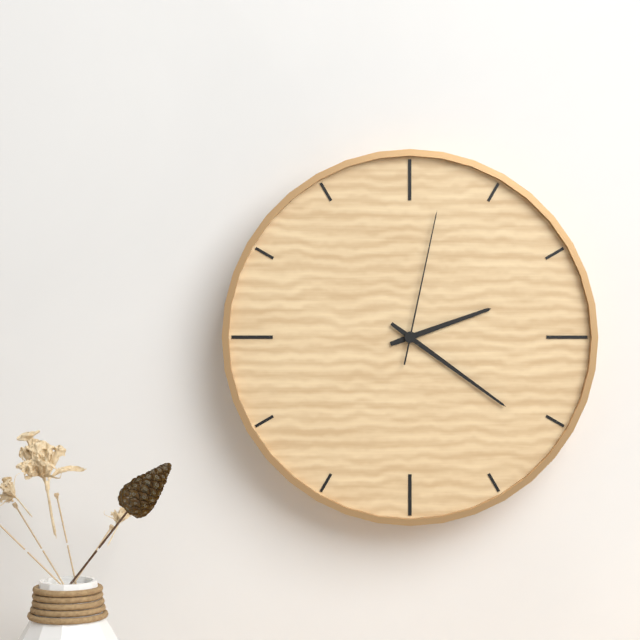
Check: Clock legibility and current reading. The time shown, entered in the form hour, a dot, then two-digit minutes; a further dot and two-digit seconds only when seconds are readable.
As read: 2.21.02
